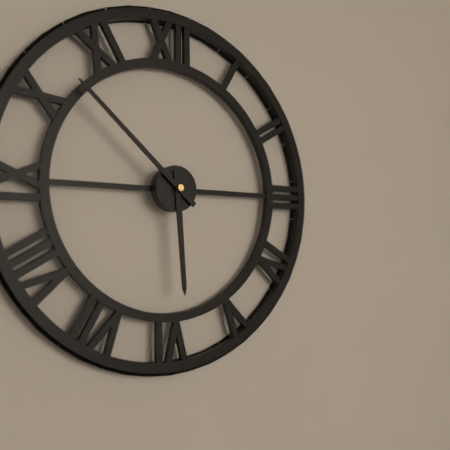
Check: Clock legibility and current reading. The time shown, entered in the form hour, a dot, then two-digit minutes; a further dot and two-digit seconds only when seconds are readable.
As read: 5.52
